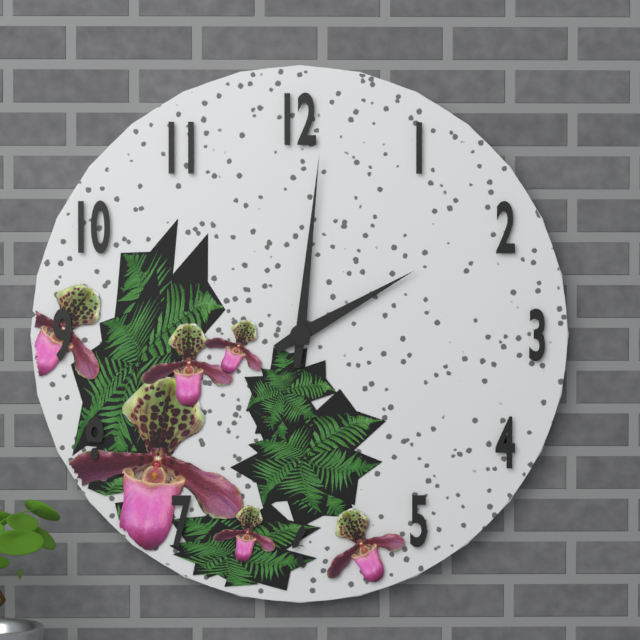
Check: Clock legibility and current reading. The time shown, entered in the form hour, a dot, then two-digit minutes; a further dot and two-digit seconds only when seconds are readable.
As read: 2.01
